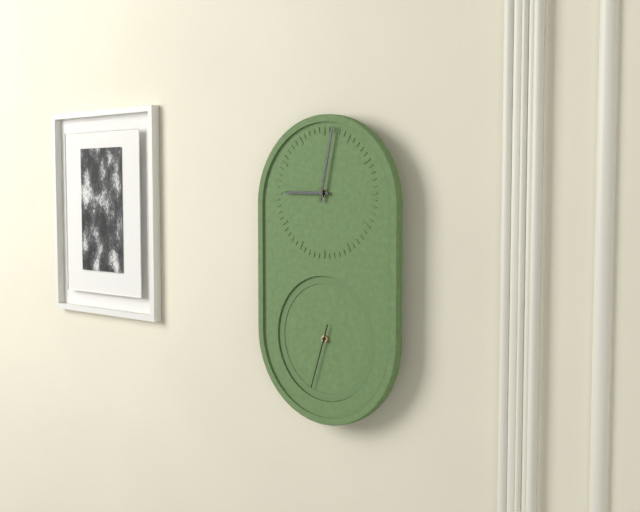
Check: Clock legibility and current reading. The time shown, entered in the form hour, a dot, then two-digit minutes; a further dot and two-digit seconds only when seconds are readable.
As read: 9.02.33
